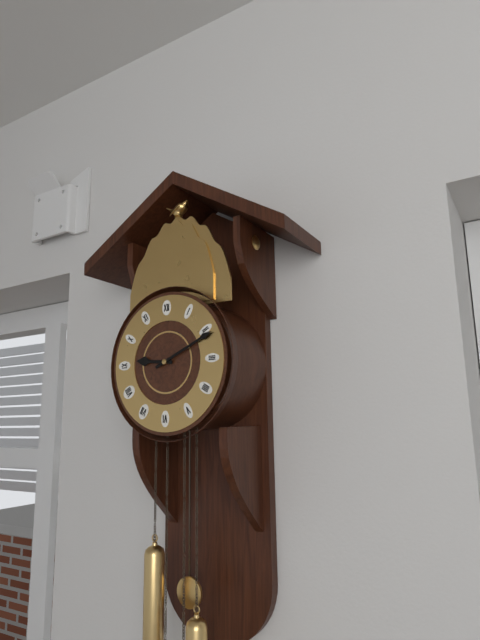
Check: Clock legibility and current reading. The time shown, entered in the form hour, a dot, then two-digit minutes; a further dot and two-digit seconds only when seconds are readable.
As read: 9.11
